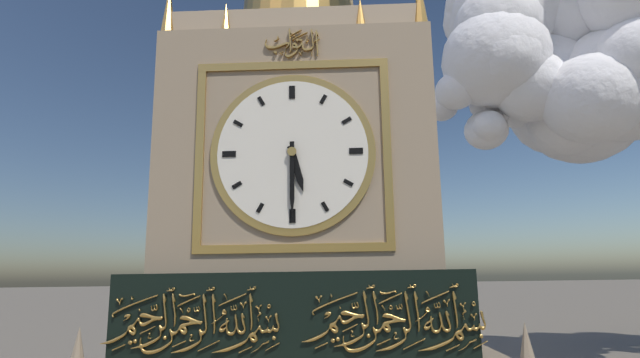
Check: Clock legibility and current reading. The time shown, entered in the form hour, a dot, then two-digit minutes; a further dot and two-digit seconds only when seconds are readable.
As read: 5.30
